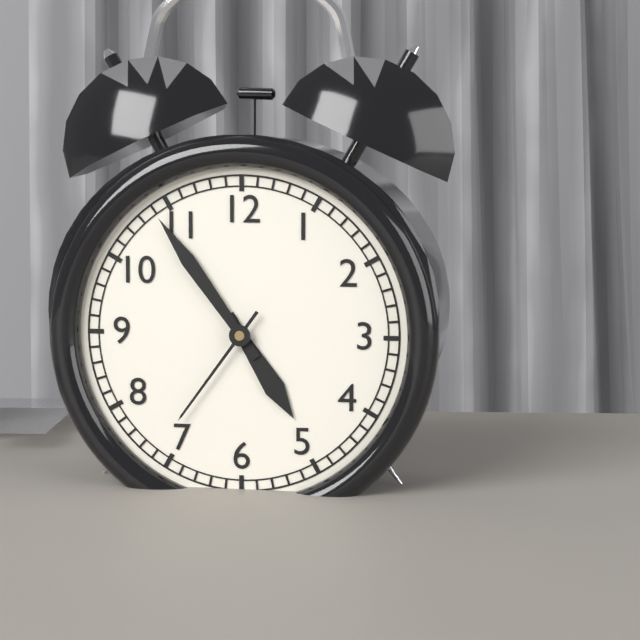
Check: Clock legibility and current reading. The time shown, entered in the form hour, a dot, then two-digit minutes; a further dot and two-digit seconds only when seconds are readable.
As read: 4.54.36
